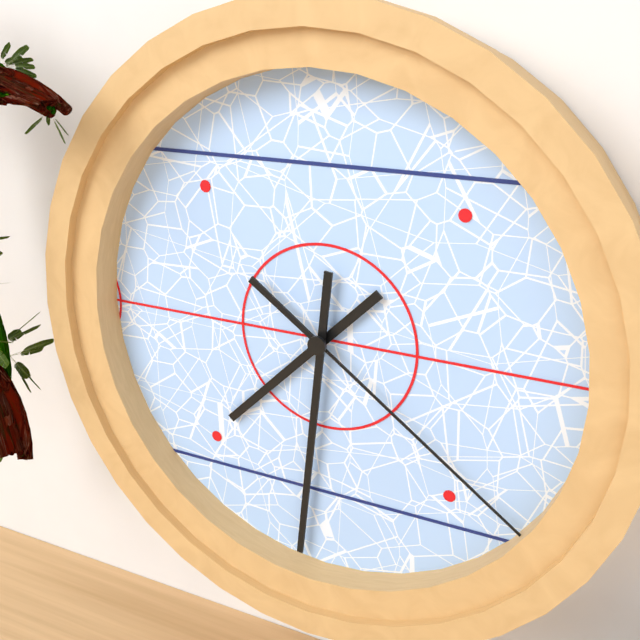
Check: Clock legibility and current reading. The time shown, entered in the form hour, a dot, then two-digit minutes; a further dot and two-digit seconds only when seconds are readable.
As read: 7.31.21
